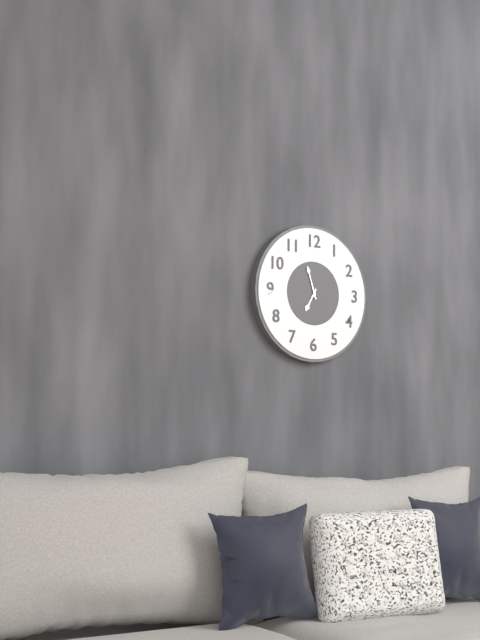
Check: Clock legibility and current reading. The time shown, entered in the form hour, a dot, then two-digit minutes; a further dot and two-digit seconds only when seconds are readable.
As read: 6.57
